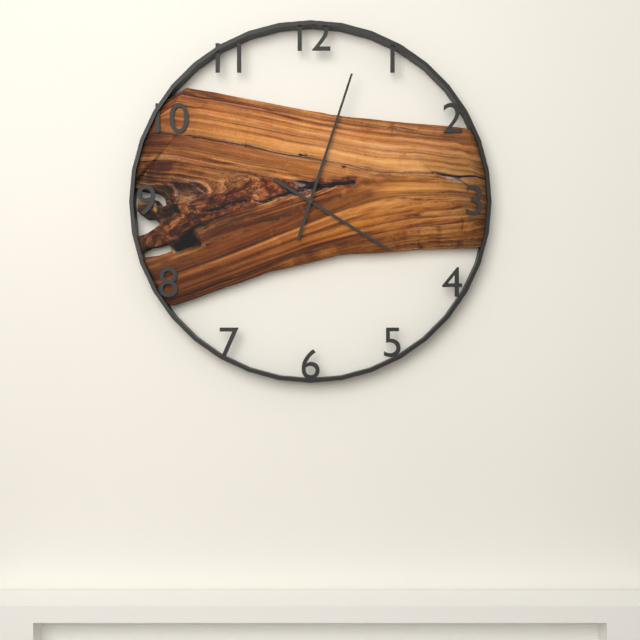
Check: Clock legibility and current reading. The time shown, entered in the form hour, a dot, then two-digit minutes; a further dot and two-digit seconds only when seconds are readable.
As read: 4.03
